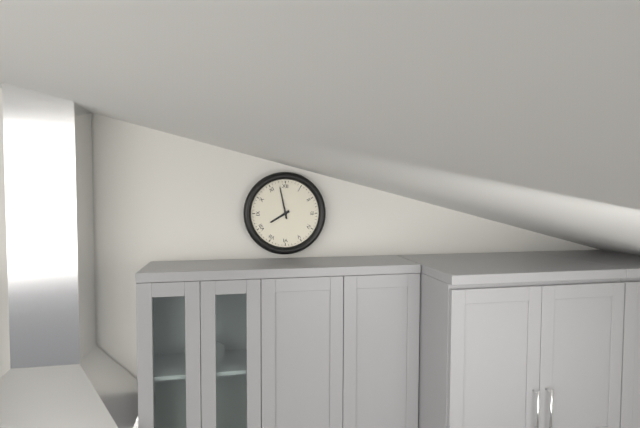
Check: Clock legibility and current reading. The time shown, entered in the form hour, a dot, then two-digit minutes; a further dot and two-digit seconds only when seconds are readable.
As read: 7.58
